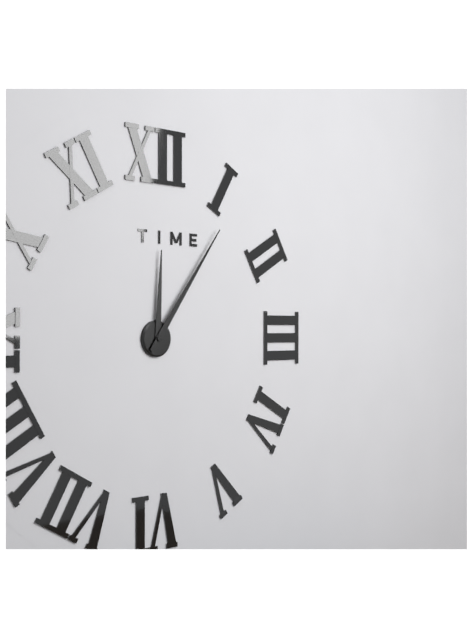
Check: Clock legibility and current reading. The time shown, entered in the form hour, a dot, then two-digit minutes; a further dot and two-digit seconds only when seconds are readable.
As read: 12.06
